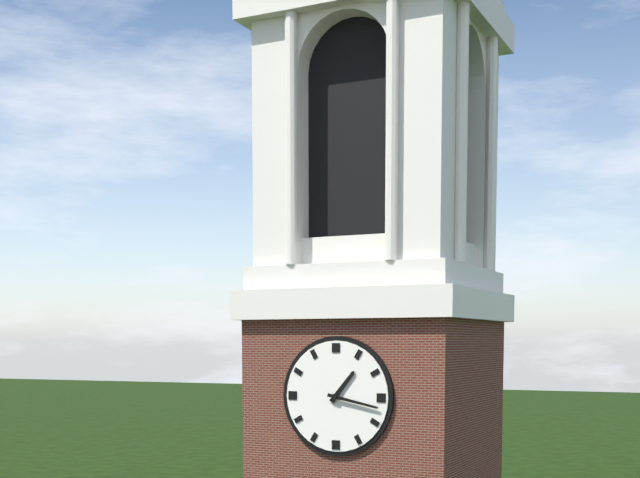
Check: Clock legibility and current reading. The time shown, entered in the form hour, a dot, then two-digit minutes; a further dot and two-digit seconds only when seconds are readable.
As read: 1.17
